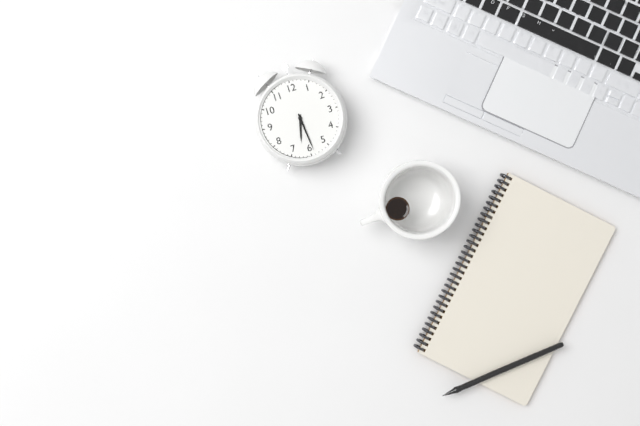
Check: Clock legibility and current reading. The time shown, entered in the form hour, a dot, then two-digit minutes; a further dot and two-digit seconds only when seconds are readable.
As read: 6.29
